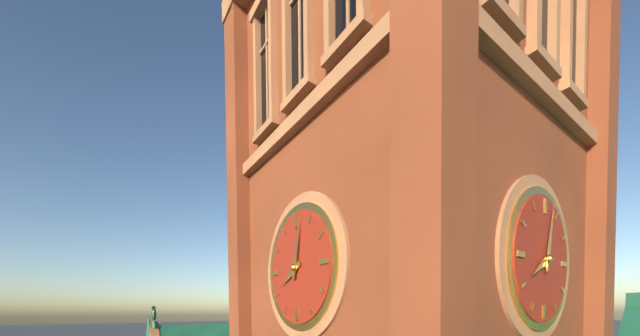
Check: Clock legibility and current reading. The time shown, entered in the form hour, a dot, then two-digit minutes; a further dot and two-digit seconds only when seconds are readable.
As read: 8.02
